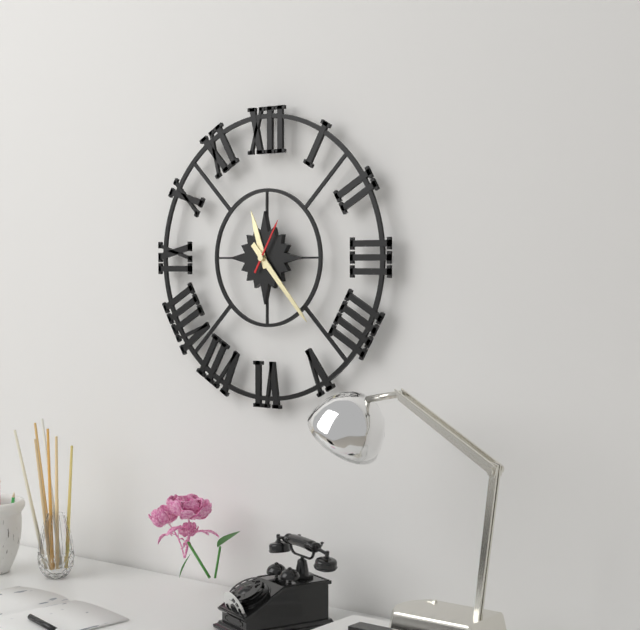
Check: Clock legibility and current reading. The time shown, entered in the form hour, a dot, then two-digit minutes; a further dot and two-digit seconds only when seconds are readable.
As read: 11.23
